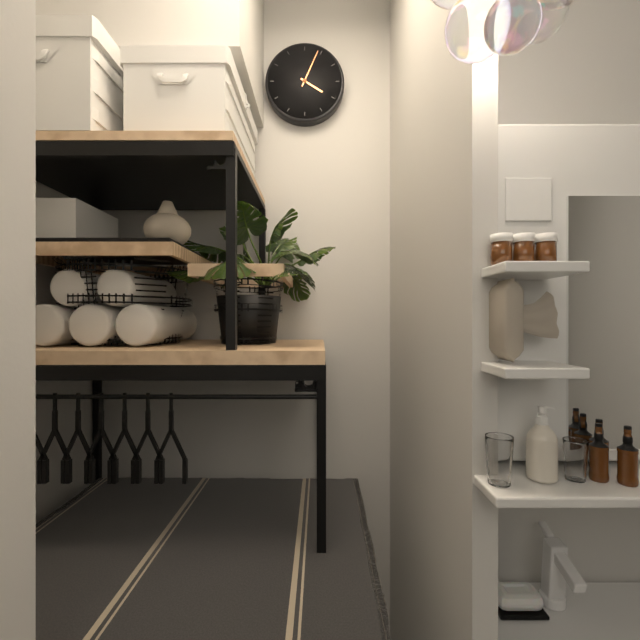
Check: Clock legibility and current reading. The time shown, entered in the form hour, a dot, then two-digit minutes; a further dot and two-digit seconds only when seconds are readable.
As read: 4.04
